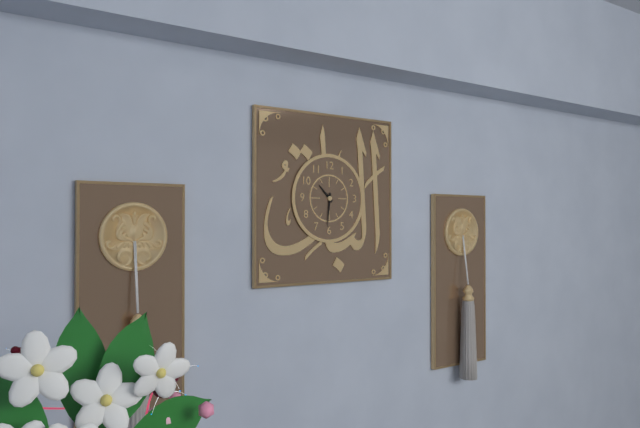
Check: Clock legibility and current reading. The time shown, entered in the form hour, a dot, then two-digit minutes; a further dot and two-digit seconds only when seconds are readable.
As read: 10.31
